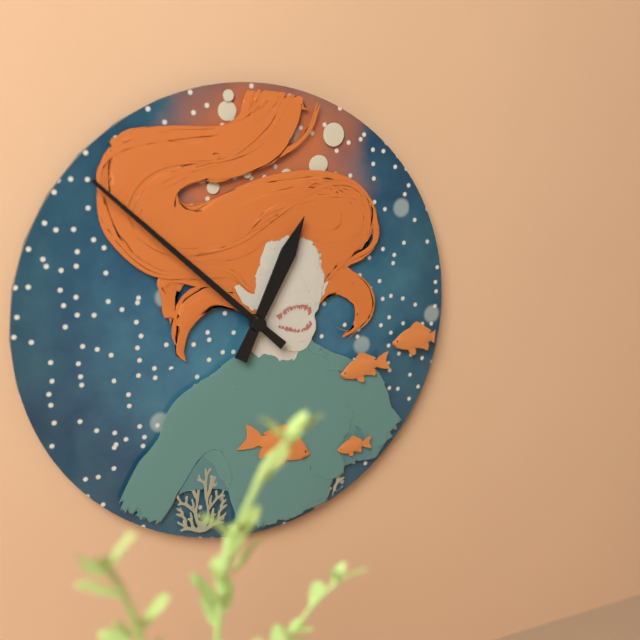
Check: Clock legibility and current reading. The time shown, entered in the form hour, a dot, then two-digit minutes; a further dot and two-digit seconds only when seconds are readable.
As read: 12.52
